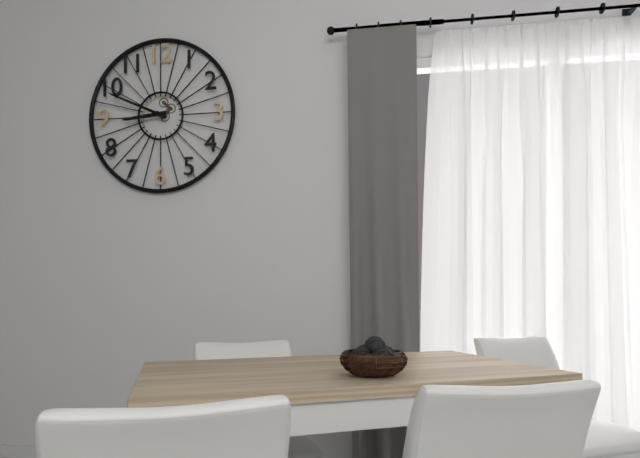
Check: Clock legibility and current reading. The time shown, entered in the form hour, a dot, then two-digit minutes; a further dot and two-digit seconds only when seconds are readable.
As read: 8.49
